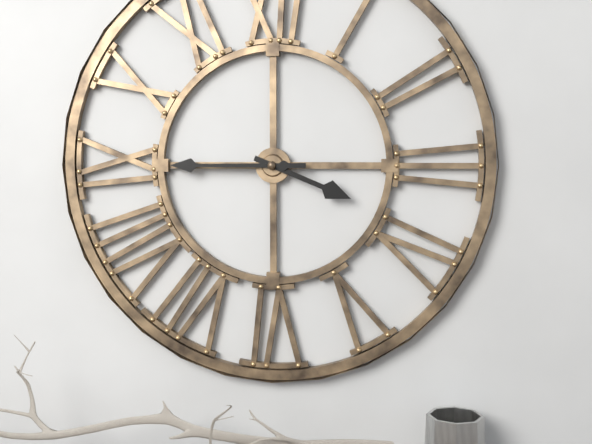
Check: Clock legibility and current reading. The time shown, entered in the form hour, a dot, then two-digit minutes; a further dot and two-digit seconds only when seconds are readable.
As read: 3.45
